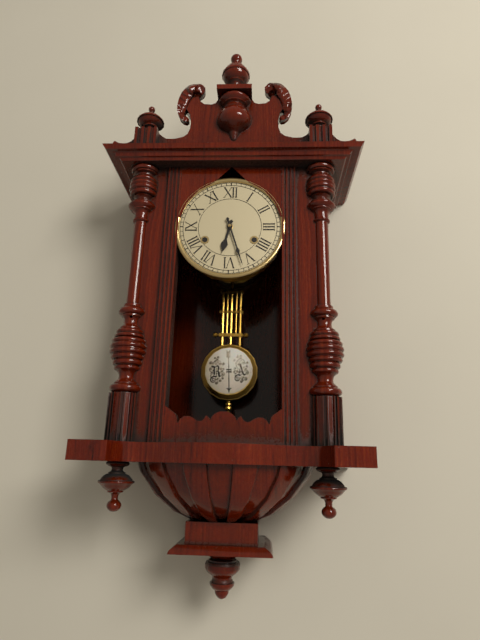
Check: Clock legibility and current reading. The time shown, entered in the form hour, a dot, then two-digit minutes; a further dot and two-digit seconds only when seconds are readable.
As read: 6.27
